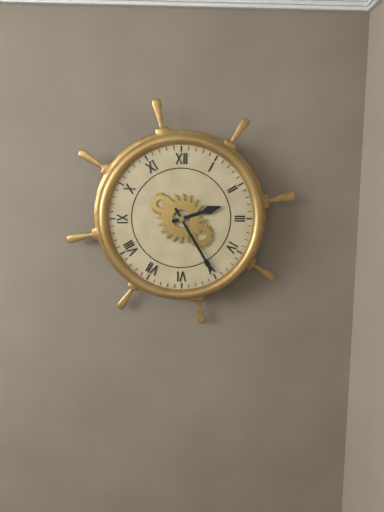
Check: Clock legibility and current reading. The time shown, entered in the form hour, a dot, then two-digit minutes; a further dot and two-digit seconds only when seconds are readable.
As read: 2.25
